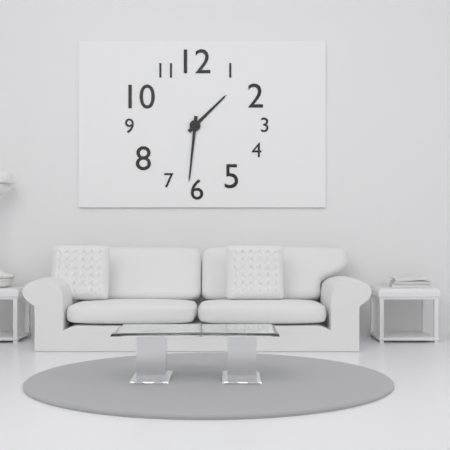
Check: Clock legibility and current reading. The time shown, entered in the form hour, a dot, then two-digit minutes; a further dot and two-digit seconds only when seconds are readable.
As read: 1.31
